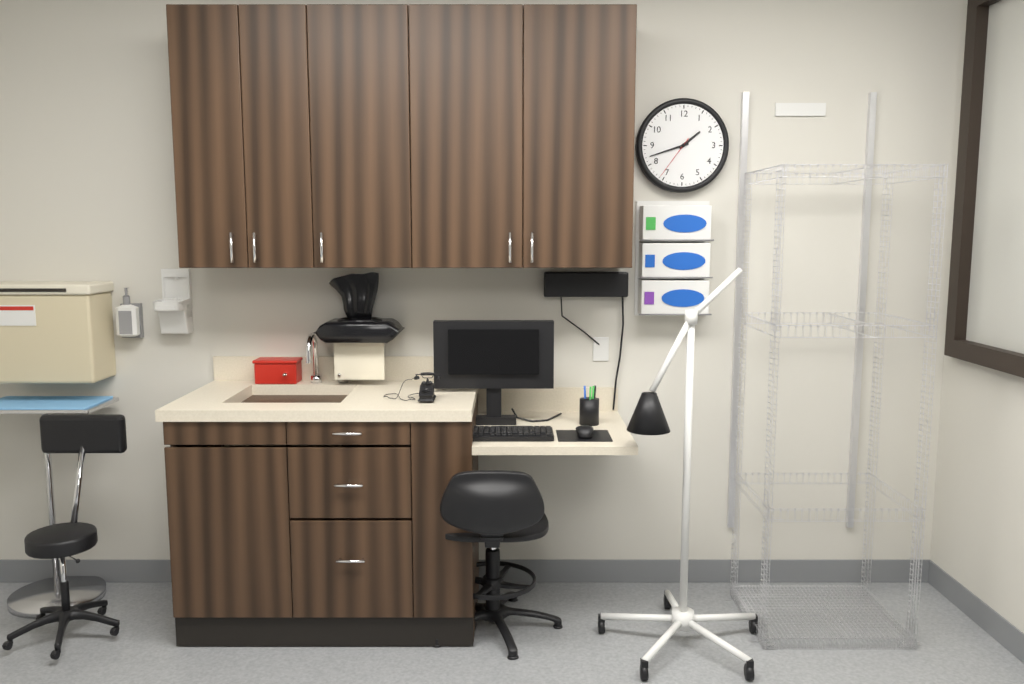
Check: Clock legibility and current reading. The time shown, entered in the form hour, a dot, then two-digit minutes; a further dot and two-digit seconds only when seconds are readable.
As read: 1.42
